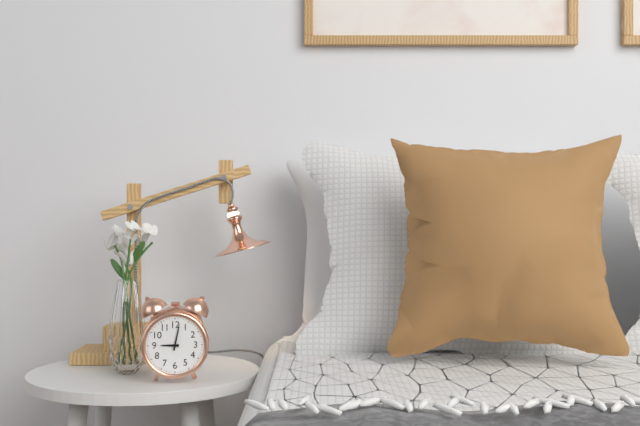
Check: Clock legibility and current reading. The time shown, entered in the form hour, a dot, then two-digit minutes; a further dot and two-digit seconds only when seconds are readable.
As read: 9.02
